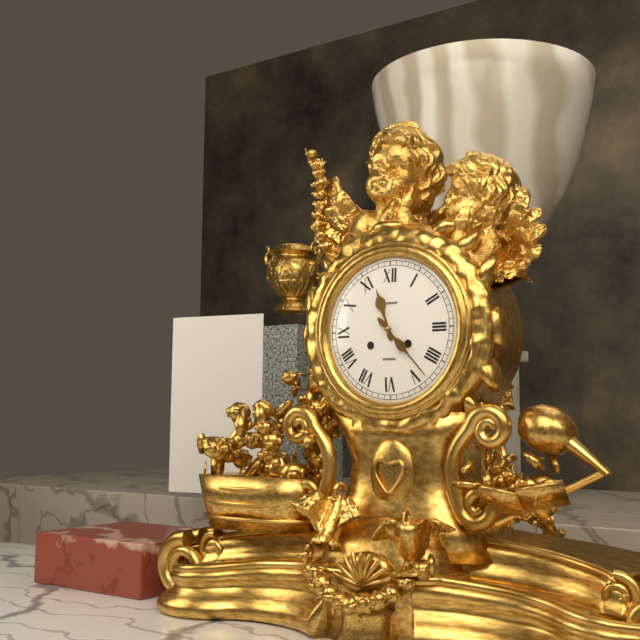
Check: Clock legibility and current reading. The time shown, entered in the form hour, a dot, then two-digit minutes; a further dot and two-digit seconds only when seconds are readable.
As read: 11.23
